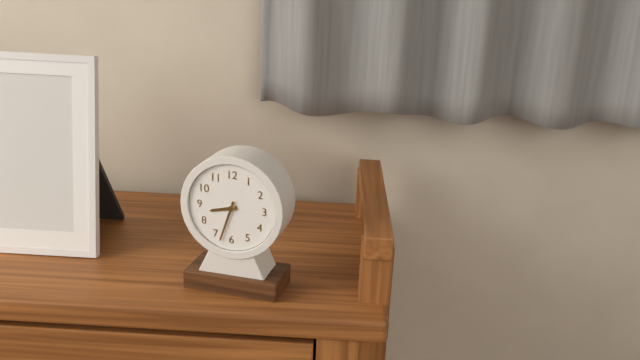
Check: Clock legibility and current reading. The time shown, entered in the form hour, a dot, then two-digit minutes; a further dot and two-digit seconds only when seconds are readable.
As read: 8.33
